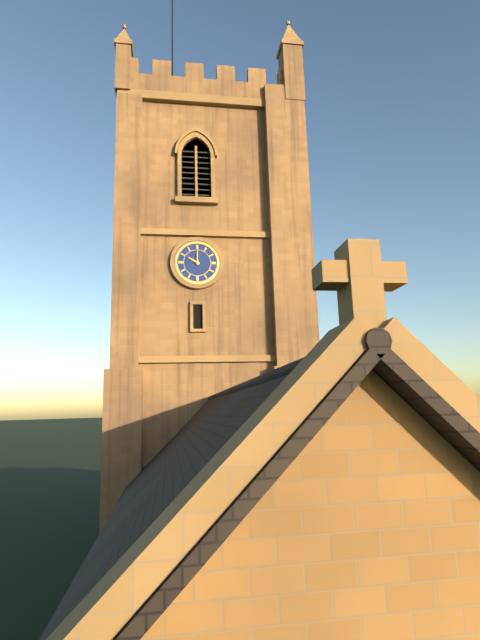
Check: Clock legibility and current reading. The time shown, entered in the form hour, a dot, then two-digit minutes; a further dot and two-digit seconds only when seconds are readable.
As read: 10.00
